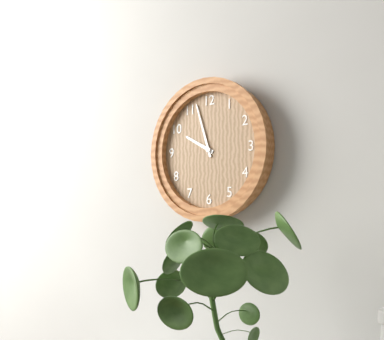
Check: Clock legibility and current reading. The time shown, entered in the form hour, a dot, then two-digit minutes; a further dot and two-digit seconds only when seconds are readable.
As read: 9.57
